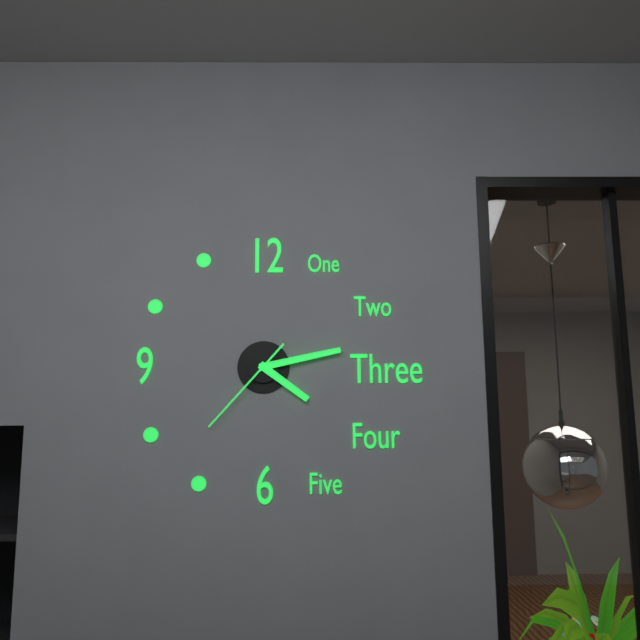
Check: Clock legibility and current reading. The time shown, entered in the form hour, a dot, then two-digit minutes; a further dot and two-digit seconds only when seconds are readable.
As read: 4.13.37
